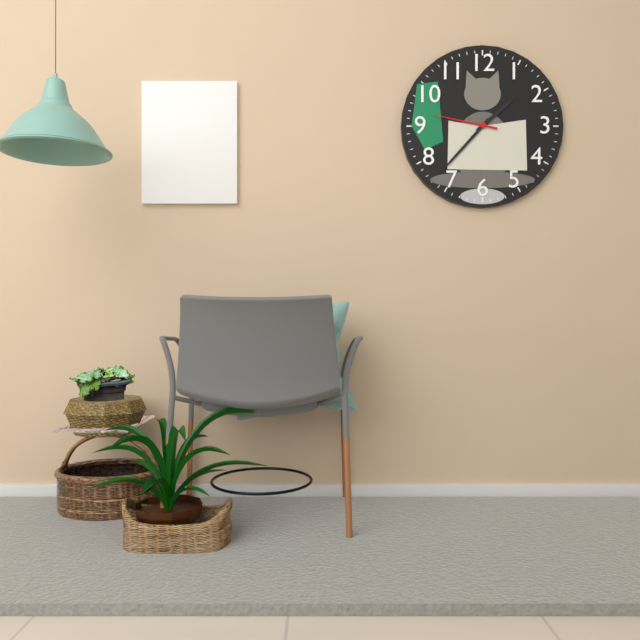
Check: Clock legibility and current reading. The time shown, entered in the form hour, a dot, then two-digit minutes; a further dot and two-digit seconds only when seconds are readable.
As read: 1.37.47
